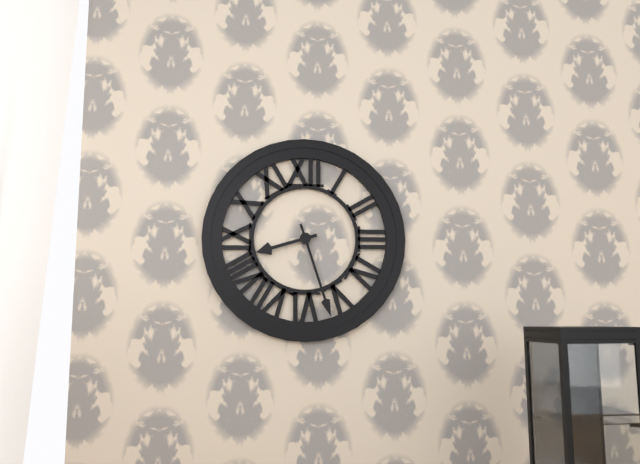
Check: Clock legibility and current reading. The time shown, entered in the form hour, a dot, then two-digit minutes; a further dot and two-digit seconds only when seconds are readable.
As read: 8.27
